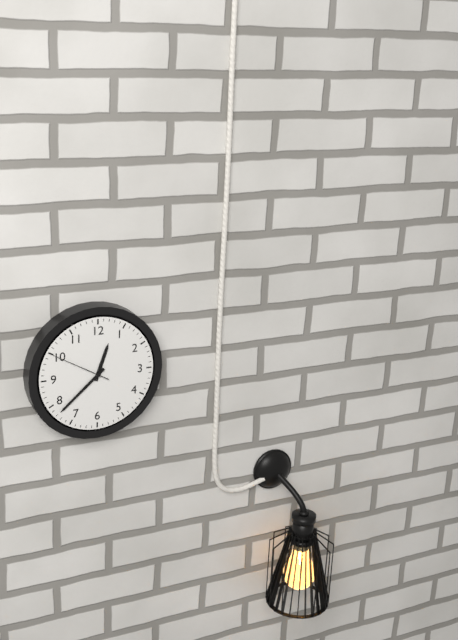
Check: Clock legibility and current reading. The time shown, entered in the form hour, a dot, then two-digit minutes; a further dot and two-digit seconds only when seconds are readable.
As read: 12.38.50
